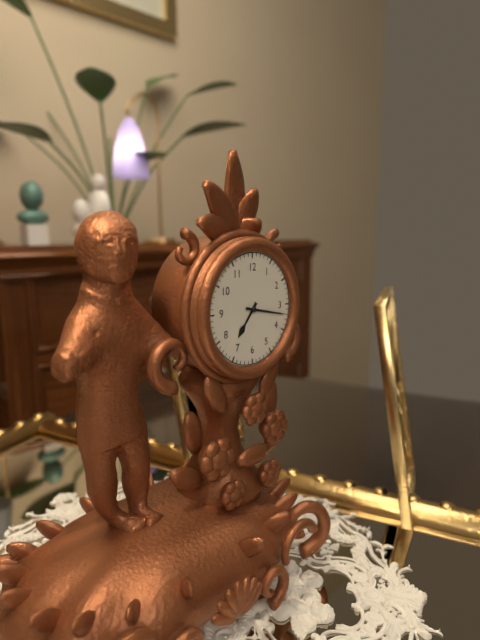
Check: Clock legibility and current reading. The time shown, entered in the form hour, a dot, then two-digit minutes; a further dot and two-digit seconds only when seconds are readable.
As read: 7.17
